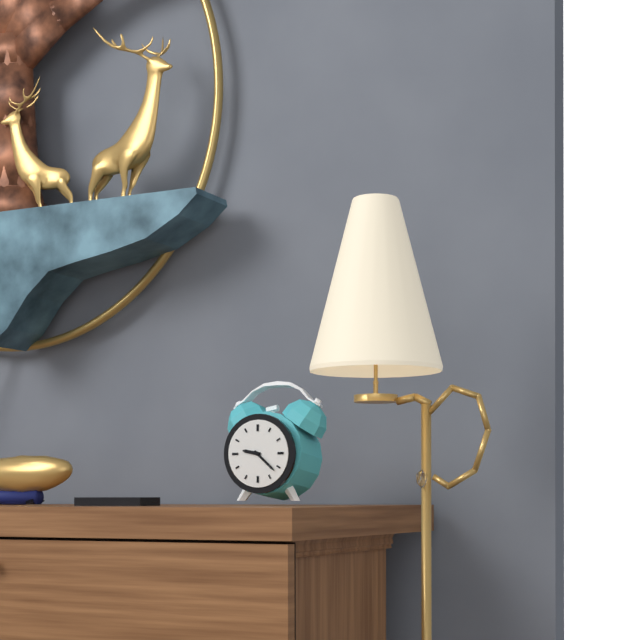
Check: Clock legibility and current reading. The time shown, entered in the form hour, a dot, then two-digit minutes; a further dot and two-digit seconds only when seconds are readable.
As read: 9.22
